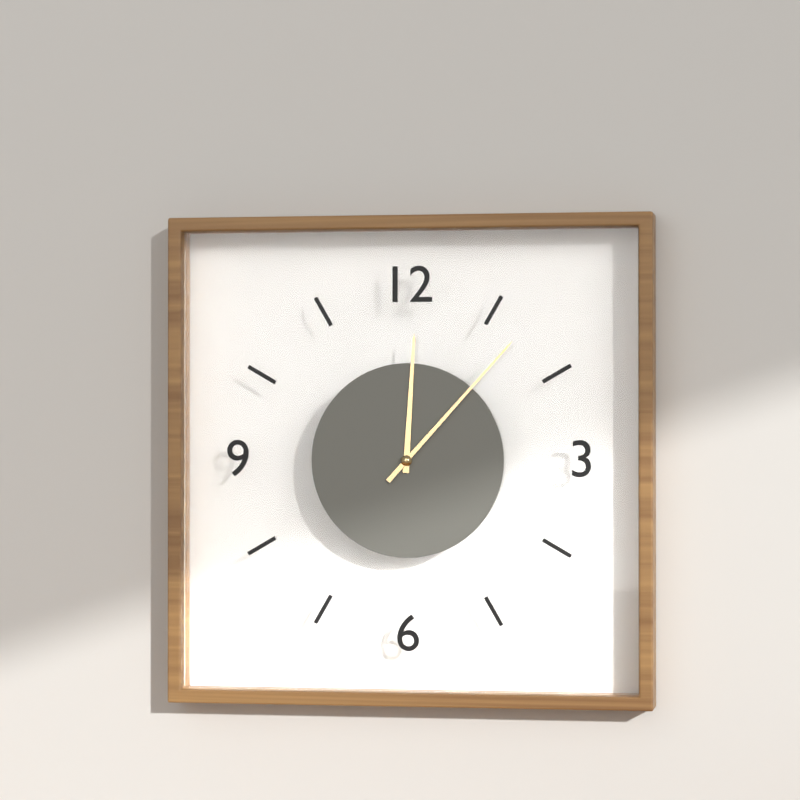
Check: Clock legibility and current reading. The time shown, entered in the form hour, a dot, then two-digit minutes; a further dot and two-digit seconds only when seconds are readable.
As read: 12.07
